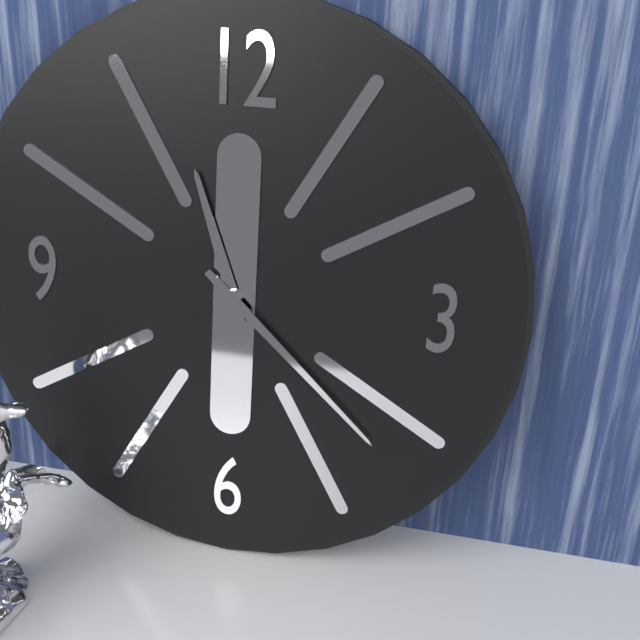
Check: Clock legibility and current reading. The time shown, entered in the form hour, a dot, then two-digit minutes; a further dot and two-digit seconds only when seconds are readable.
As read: 11.22
